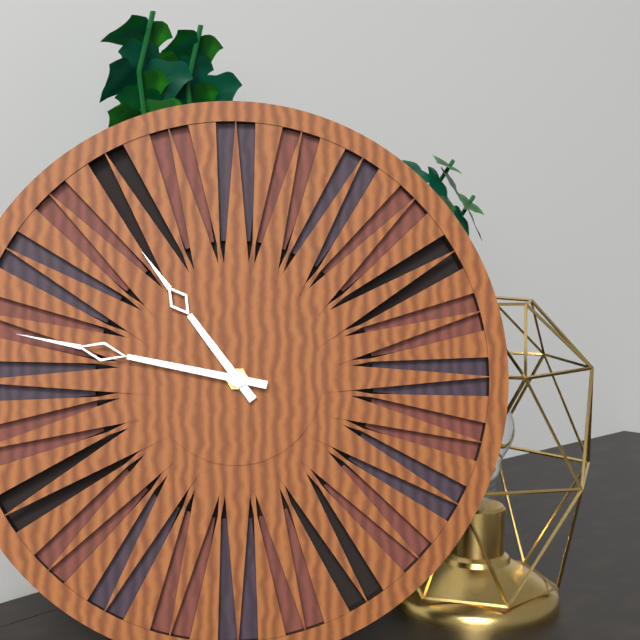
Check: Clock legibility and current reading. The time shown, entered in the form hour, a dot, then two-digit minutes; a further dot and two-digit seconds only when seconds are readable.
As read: 10.47
